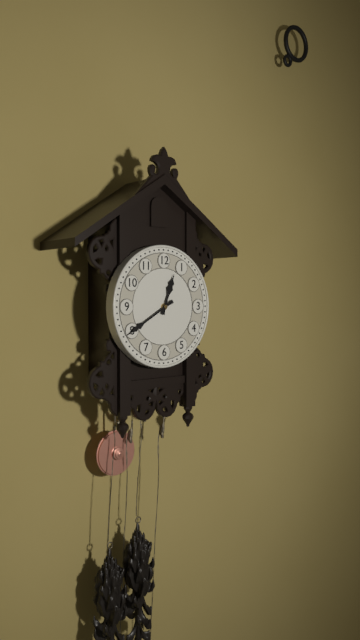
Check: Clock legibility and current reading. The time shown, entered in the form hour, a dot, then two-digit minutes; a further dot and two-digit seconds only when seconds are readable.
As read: 12.40
